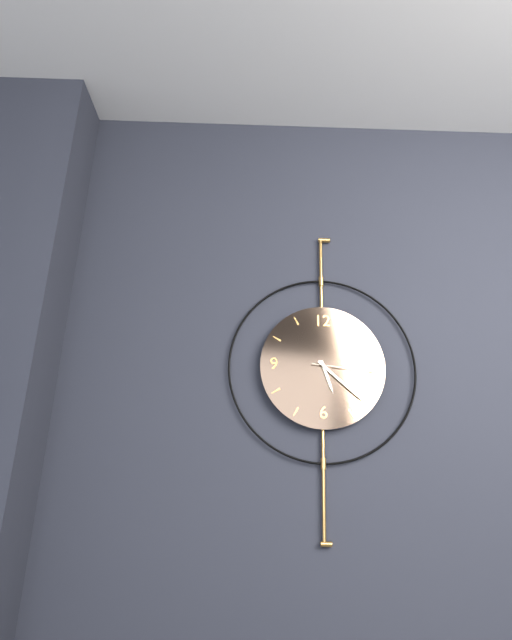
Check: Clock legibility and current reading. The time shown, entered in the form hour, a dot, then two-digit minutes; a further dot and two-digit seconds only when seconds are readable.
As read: 5.22.16
